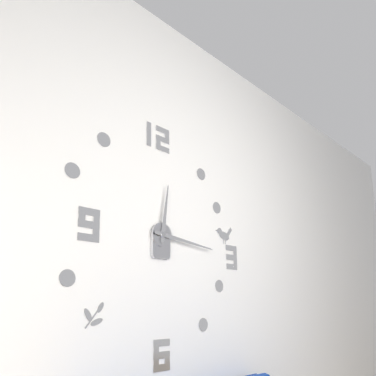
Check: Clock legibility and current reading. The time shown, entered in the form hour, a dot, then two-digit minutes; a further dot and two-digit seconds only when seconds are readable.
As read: 12.16
